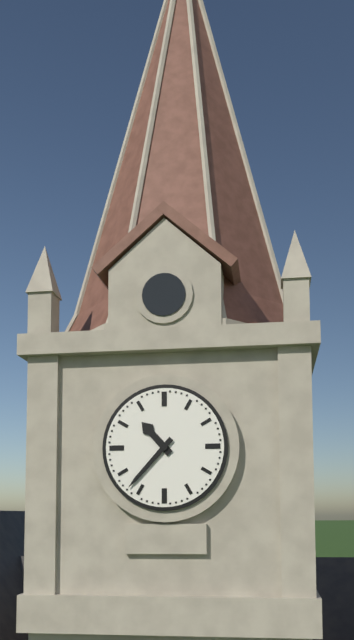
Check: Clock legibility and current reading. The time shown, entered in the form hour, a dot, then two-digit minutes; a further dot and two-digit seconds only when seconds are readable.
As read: 10.37
